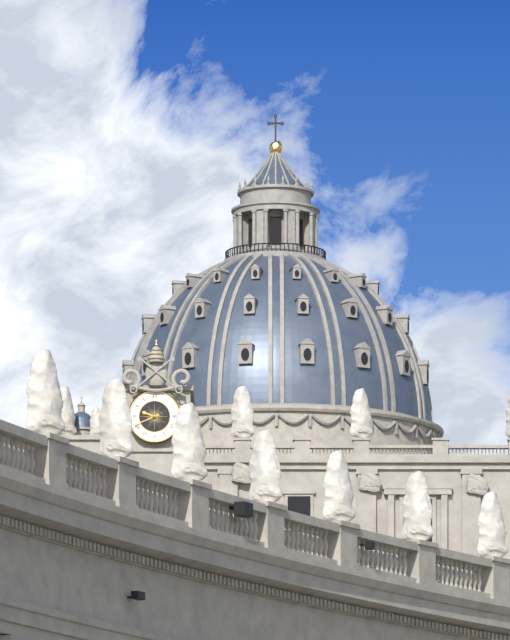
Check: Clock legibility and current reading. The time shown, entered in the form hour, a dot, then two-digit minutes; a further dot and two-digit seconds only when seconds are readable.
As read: 9.41
